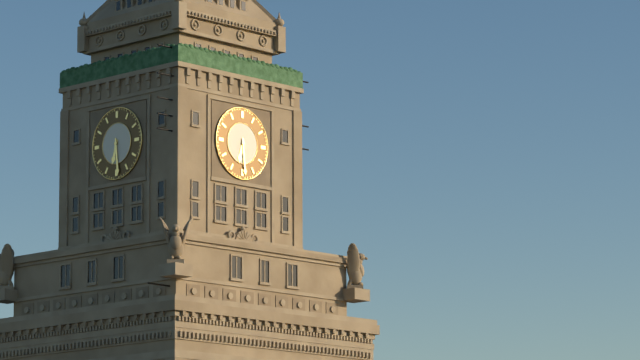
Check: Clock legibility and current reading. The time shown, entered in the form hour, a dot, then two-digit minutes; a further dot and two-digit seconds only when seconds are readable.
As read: 6.29
